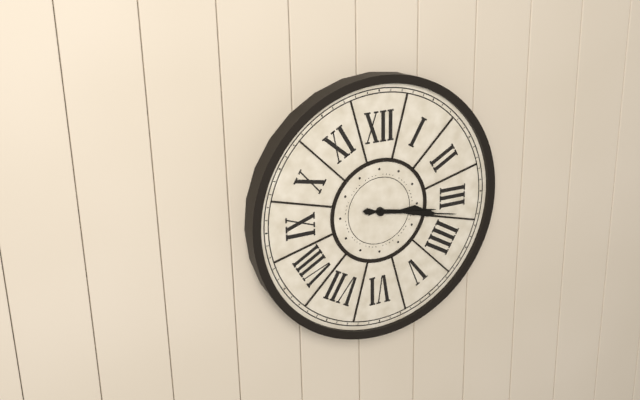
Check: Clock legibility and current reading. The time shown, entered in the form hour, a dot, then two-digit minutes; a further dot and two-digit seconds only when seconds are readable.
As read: 3.17
